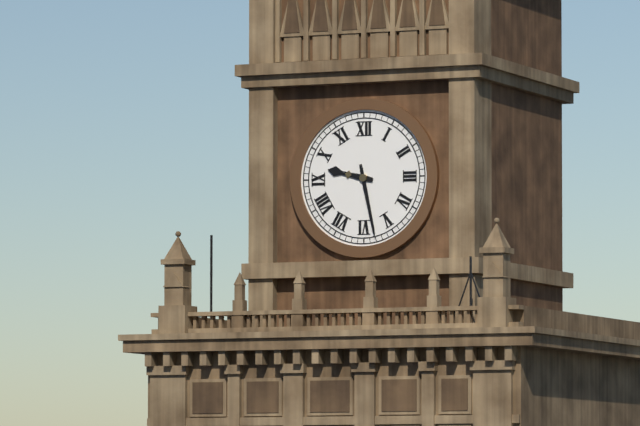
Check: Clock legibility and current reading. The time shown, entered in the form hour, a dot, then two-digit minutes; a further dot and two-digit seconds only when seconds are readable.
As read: 9.28
